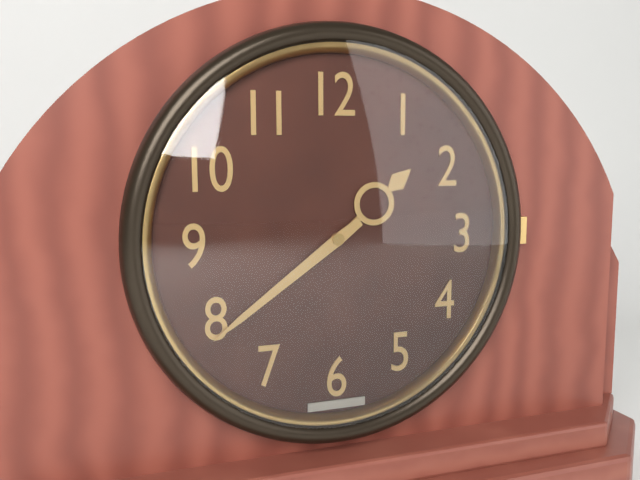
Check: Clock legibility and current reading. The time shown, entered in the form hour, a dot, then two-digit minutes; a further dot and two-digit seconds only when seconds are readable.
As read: 1.39
